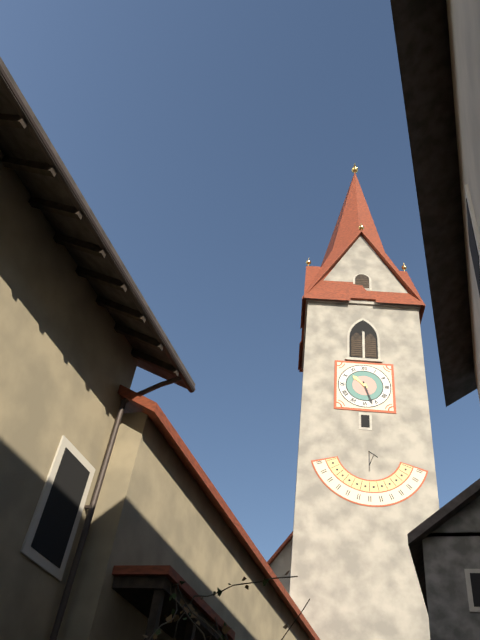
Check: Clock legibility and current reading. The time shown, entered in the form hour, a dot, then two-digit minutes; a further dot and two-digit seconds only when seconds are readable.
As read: 10.27
